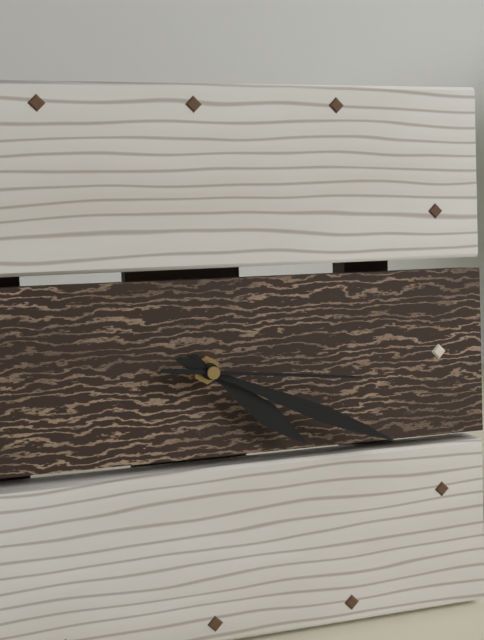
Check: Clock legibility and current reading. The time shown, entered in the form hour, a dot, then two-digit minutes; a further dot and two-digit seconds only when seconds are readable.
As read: 4.19.16
